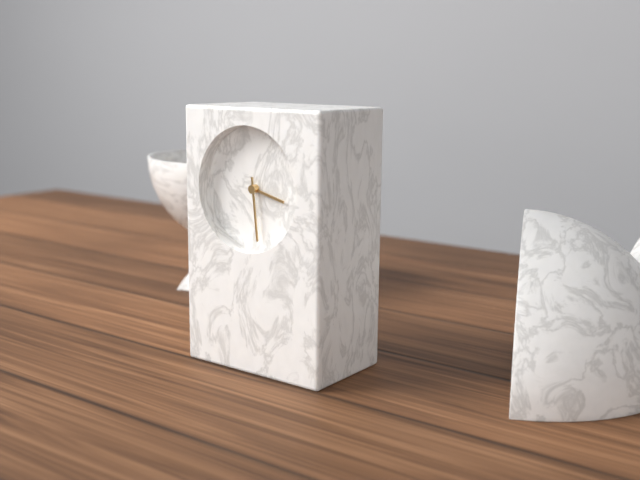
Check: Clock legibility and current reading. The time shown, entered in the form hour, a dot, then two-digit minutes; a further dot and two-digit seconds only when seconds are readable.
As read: 3.29
